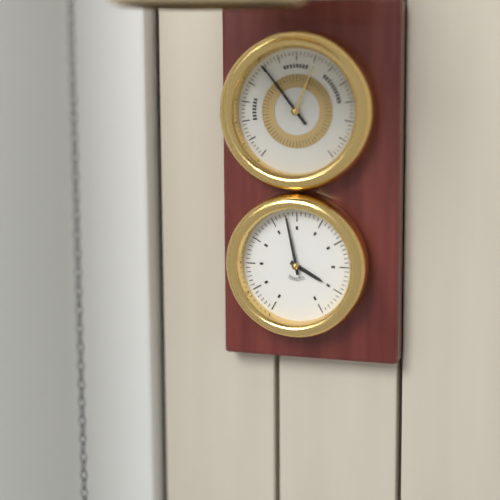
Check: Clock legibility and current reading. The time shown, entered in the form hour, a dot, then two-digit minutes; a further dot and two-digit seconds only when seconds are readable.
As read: 3.58
